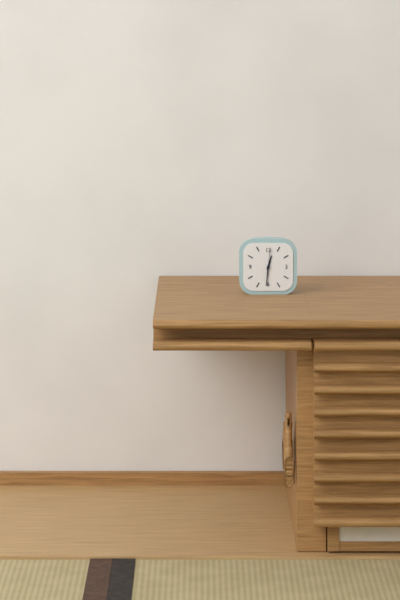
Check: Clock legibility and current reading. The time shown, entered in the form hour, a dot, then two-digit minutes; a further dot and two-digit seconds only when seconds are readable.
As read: 12.31
